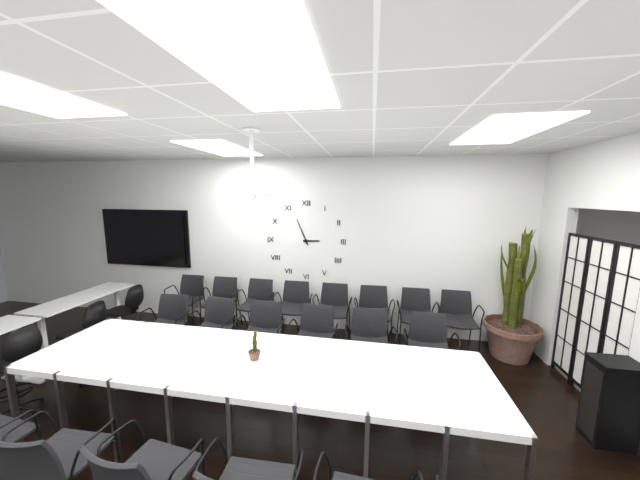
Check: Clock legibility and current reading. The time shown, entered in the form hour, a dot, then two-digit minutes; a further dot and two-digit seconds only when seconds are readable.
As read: 2.56
